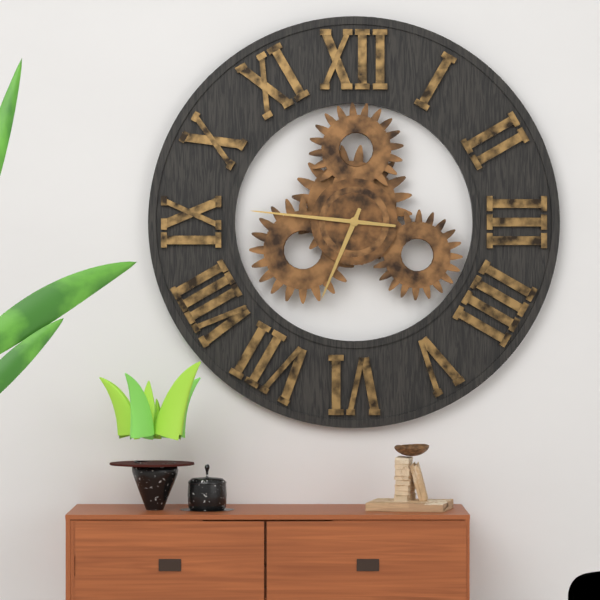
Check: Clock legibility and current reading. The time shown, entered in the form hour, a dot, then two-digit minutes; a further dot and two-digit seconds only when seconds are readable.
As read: 6.46
